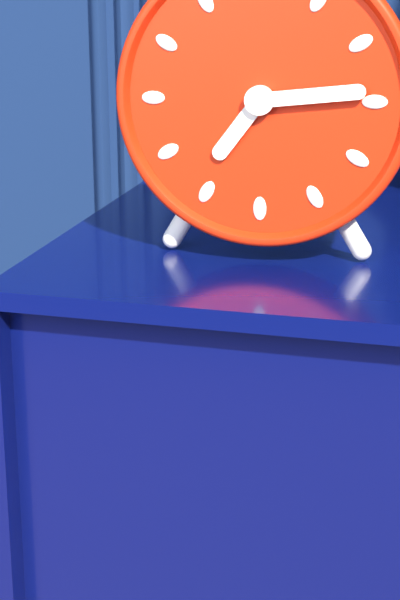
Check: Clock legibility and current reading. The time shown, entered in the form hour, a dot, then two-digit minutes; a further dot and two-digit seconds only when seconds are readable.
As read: 7.14
